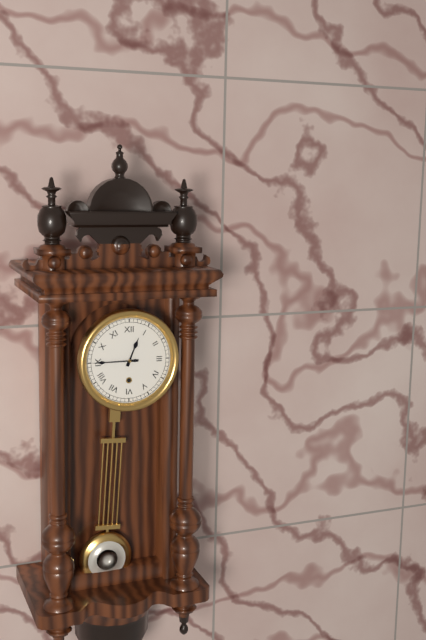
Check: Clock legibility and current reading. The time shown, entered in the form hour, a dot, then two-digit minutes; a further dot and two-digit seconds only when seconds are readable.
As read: 12.45
